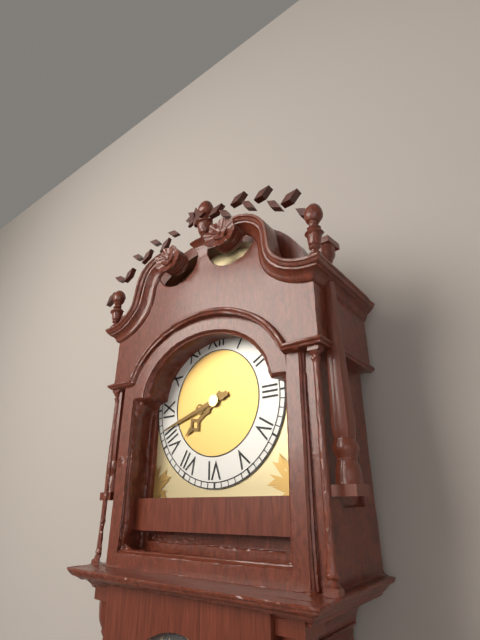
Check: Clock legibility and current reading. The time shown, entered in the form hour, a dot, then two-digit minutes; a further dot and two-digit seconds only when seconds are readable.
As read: 7.42
